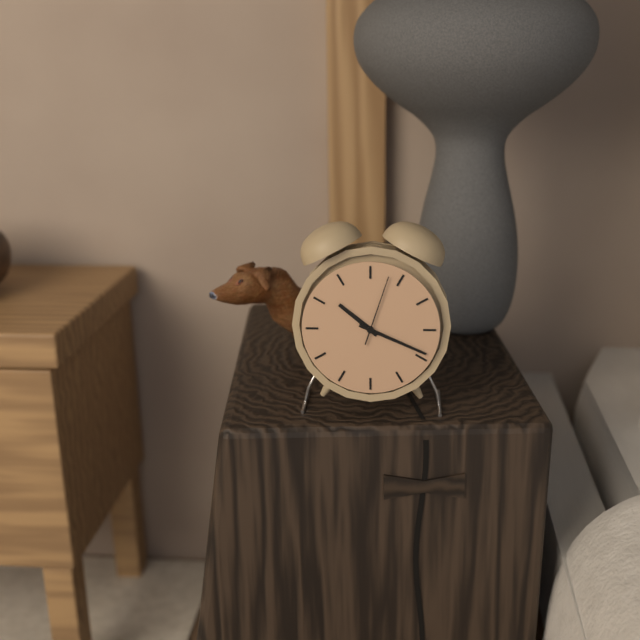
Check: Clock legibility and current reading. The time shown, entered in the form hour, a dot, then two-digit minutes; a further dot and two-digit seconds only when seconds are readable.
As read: 10.19.03
